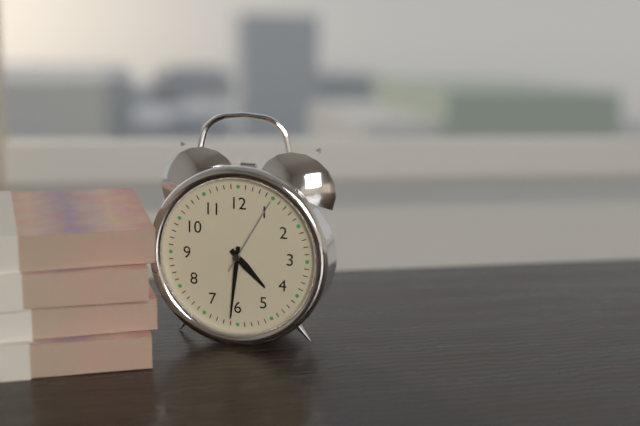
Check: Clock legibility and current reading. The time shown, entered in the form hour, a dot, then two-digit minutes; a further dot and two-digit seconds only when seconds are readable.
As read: 4.31.05
